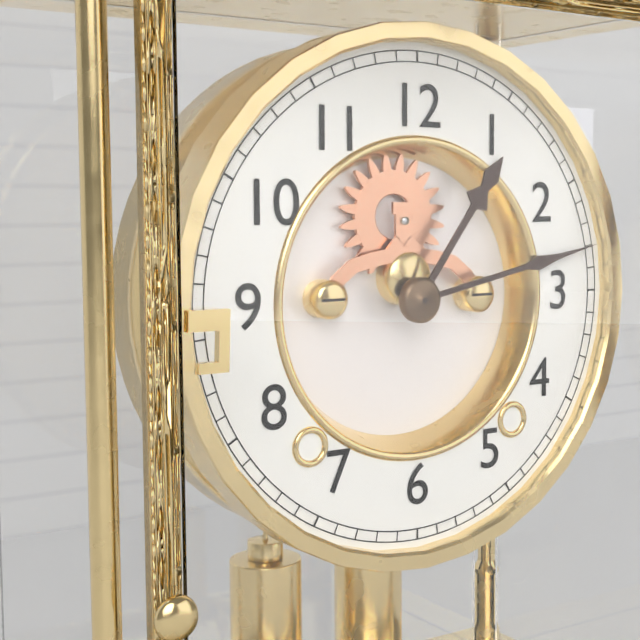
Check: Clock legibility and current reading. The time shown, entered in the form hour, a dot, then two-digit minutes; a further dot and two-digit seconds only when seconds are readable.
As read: 1.13
